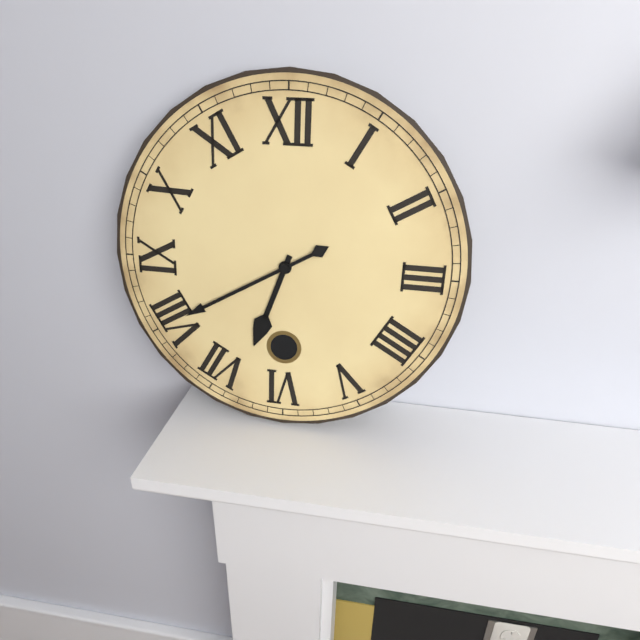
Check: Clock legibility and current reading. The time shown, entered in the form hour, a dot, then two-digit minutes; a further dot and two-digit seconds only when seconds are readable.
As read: 6.40
